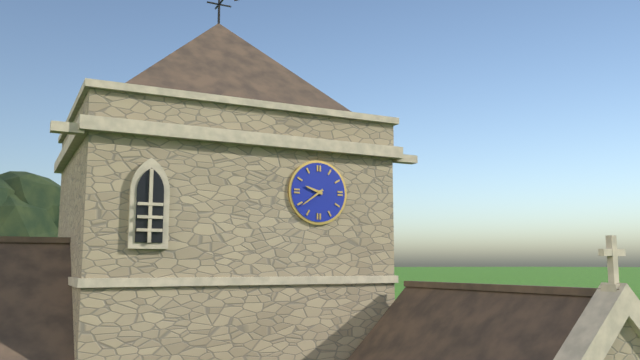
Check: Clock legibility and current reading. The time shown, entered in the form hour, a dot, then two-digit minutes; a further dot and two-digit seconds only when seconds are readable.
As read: 9.39
